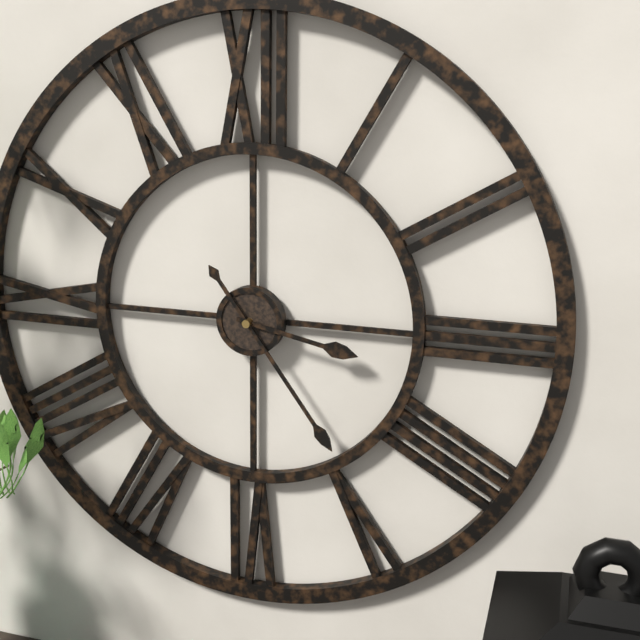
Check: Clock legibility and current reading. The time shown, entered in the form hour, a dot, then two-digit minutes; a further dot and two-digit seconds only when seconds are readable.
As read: 3.24
